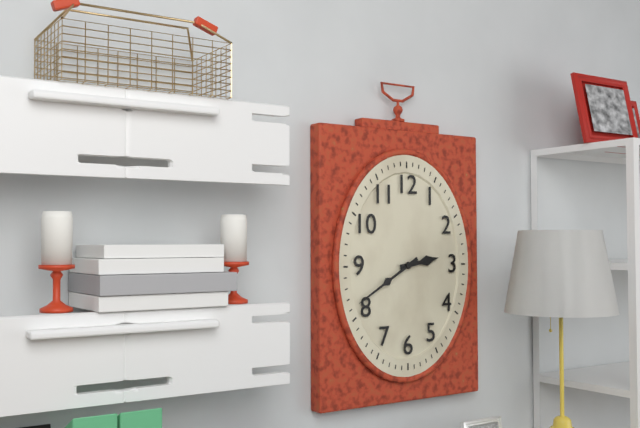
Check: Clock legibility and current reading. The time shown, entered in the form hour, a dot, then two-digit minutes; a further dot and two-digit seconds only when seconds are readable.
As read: 2.40
